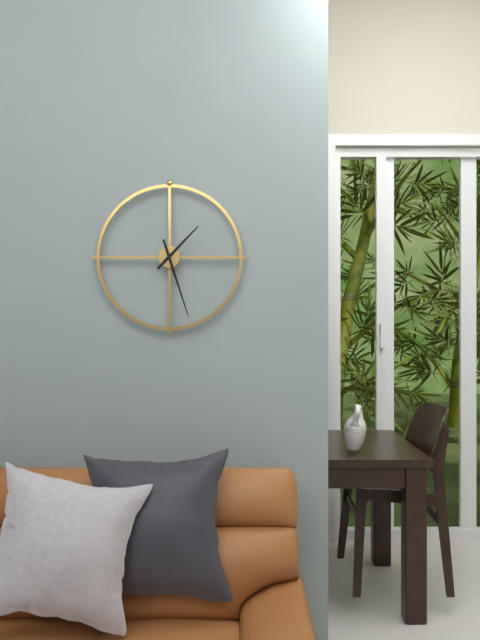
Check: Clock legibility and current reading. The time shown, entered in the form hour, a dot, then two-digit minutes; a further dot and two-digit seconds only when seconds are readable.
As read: 1.27
